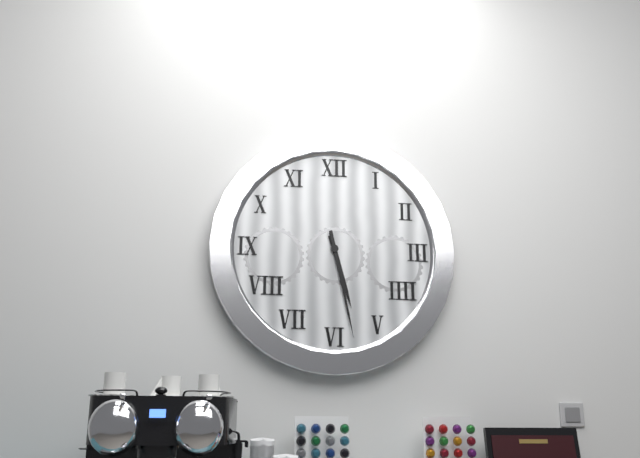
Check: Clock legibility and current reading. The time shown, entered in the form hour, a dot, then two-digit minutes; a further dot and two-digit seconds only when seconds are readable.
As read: 5.28
